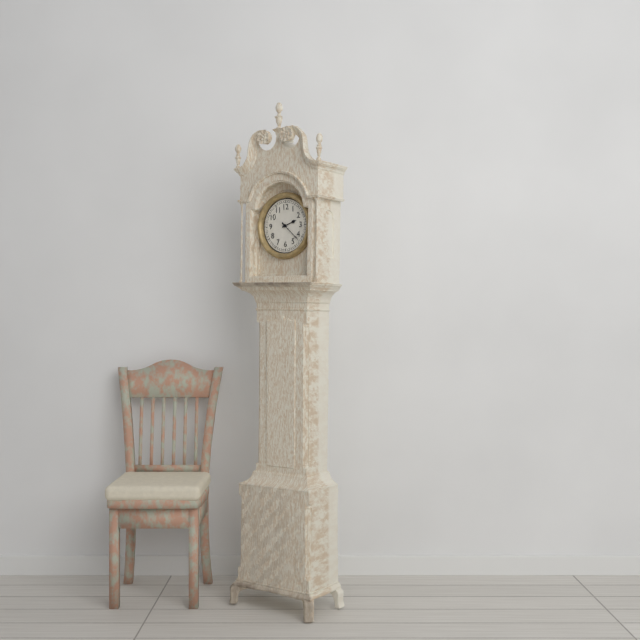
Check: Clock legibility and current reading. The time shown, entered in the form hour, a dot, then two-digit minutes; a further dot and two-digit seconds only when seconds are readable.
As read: 2.22
